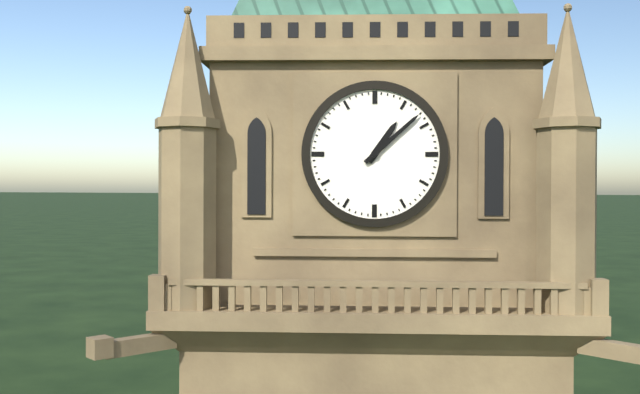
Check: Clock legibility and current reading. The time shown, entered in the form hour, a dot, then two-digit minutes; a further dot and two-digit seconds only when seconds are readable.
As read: 1.08
